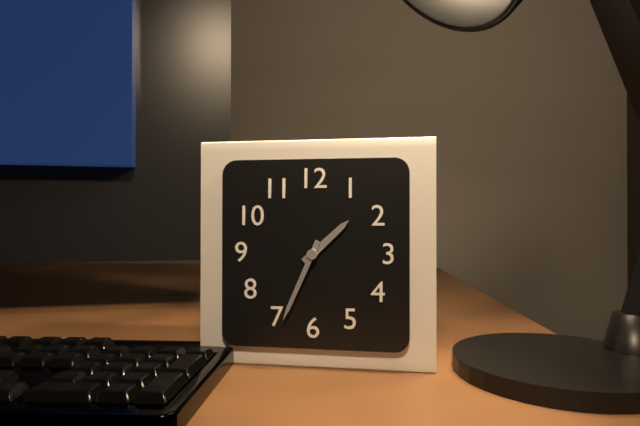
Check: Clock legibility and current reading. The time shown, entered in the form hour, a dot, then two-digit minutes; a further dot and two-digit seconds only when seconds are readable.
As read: 1.34
